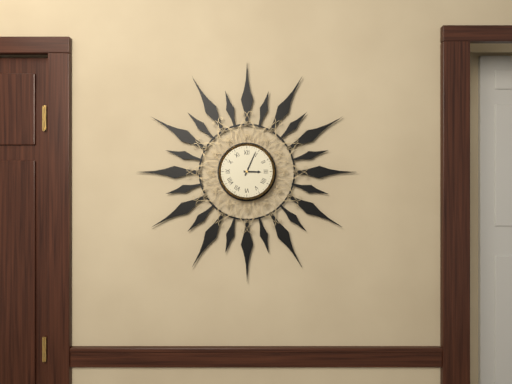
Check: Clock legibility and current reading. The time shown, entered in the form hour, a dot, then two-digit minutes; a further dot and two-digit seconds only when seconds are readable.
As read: 3.04
